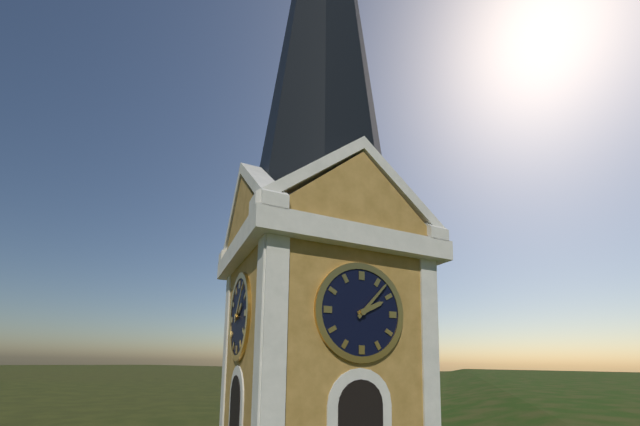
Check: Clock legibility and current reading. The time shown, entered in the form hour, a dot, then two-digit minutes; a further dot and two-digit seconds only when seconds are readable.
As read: 2.07
